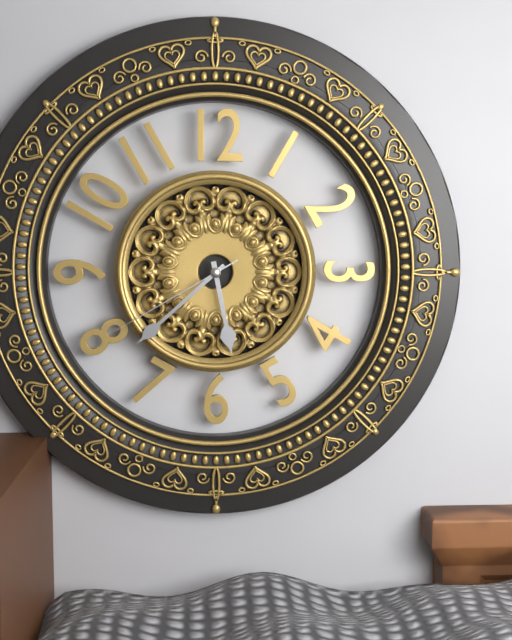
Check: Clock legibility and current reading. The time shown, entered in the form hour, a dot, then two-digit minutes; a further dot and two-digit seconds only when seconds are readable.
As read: 5.38.40
